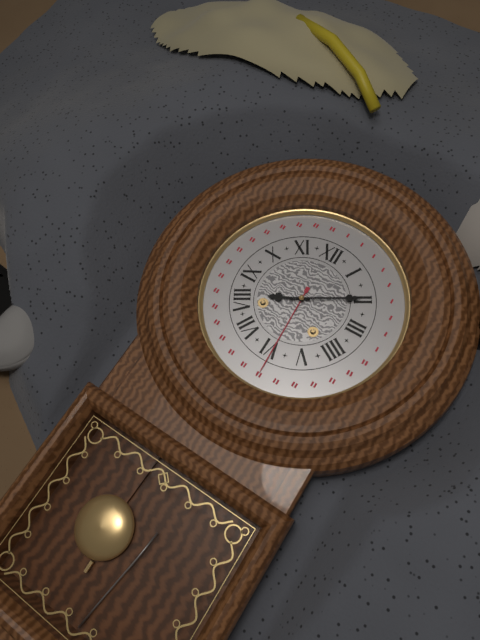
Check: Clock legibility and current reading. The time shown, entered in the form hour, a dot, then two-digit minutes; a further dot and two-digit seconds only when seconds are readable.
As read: 8.10
